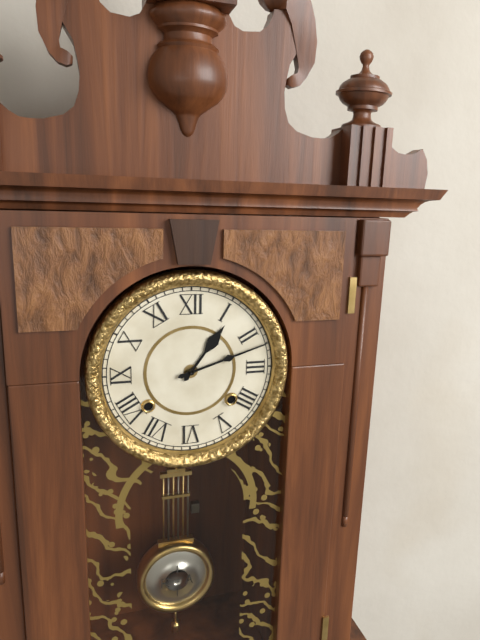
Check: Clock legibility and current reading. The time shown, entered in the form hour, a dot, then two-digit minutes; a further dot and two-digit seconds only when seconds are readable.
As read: 1.12
